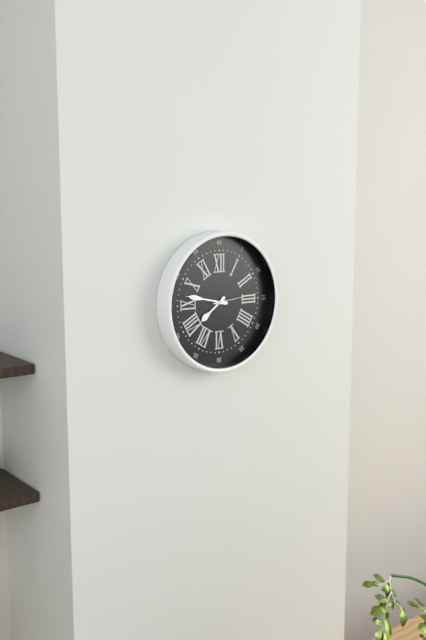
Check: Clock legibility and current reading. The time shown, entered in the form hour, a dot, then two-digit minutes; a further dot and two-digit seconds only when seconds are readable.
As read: 7.47
